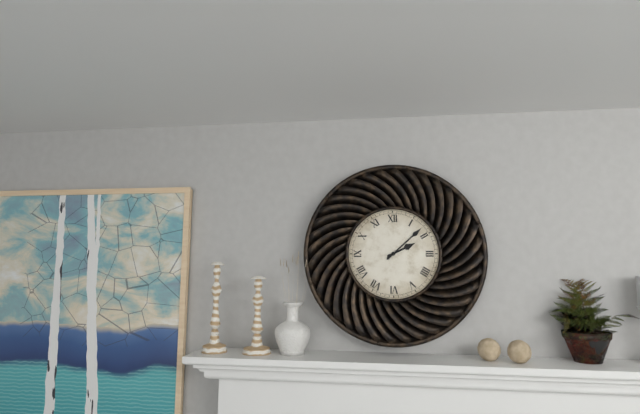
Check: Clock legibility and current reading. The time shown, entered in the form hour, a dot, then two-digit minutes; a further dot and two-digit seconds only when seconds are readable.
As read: 2.08
